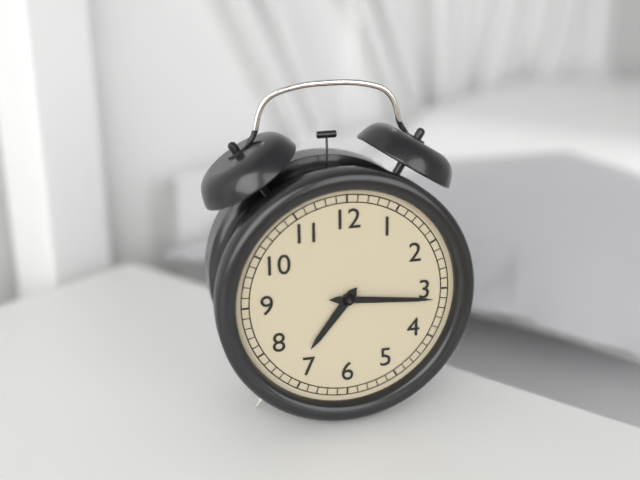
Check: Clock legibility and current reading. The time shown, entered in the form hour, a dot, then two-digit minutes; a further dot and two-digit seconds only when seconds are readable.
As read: 7.16
